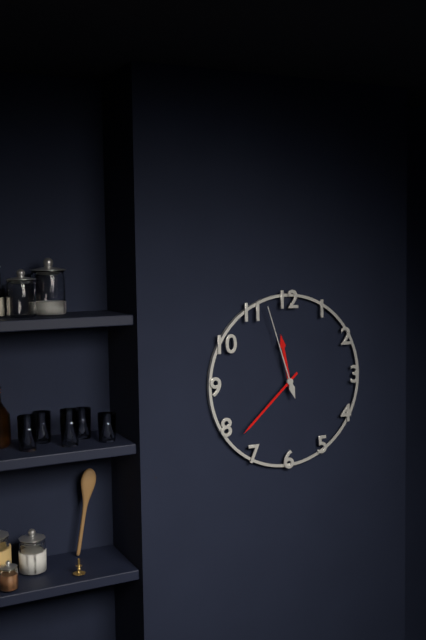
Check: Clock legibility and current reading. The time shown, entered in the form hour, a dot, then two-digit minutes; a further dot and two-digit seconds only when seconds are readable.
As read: 11.38.57
